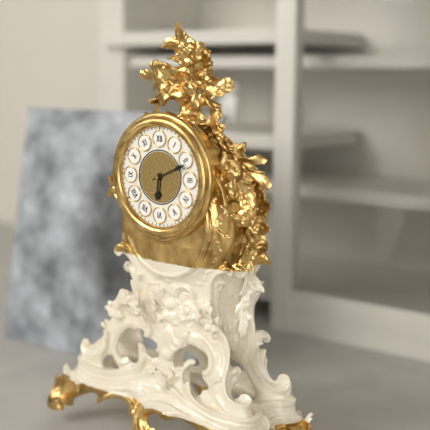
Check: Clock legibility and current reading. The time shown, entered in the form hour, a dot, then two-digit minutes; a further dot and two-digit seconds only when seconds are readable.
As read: 6.11
